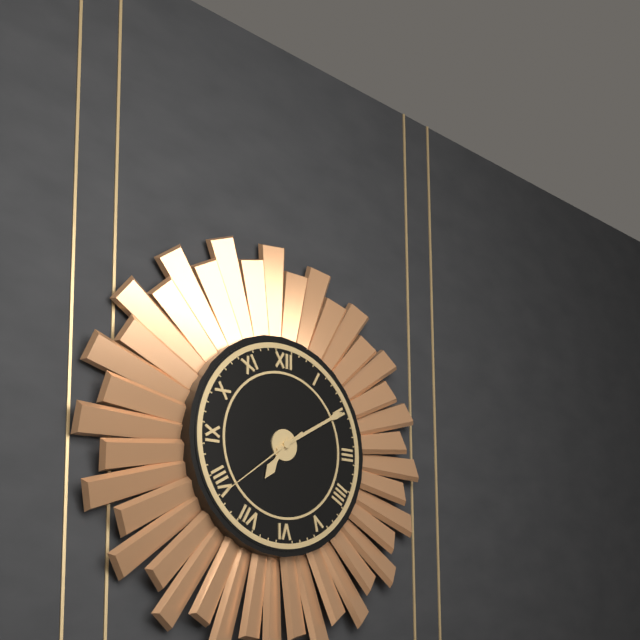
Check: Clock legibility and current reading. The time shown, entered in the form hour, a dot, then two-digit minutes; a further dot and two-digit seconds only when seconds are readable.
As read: 7.10.39
